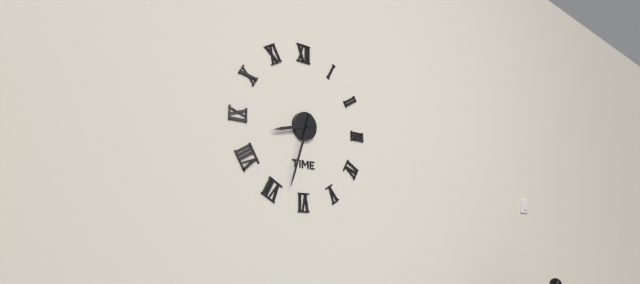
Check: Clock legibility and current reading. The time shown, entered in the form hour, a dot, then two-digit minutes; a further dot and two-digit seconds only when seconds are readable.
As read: 8.33
